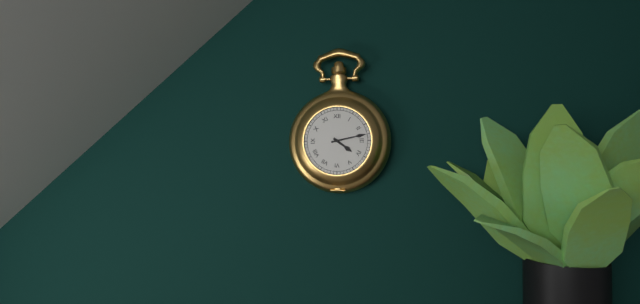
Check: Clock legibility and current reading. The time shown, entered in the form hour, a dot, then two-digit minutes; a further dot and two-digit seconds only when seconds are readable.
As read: 4.13
